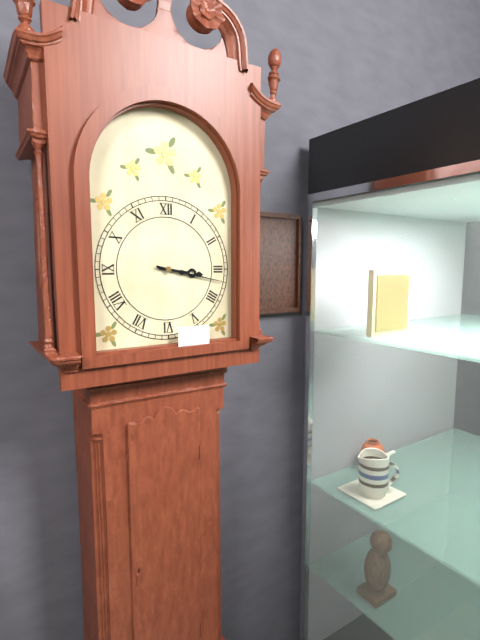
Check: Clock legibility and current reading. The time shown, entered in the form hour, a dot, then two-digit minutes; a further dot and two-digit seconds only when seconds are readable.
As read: 3.17
